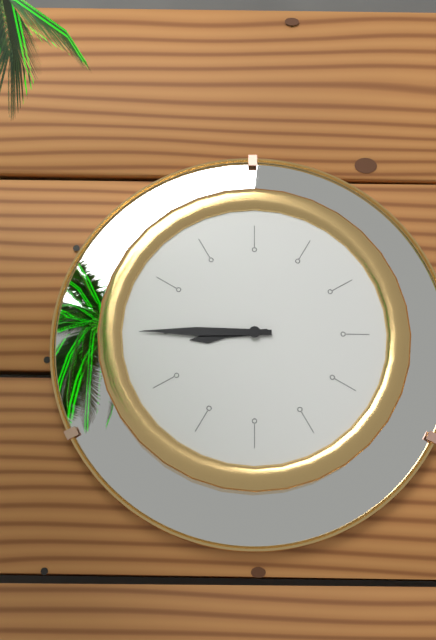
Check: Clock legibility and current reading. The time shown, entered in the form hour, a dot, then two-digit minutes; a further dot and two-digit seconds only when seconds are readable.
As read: 8.45
